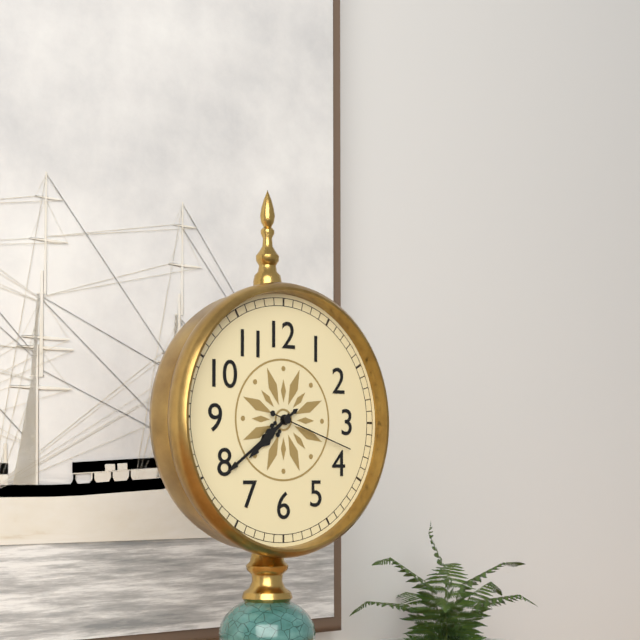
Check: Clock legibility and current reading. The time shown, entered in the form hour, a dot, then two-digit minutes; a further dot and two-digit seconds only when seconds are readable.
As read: 7.39.18
